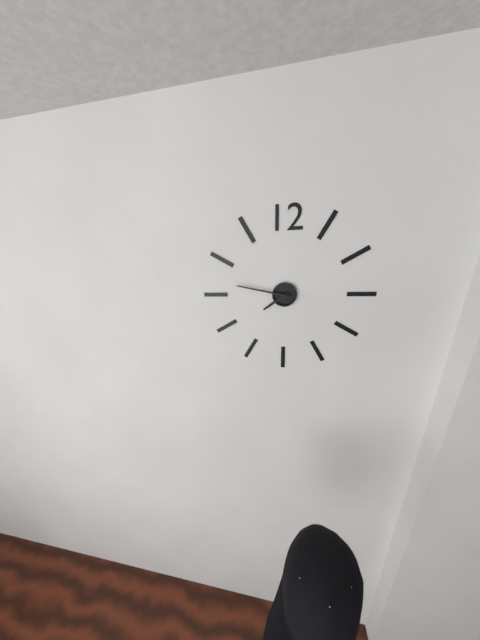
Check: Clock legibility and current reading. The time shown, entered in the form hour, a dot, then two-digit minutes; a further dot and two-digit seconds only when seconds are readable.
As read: 7.47
